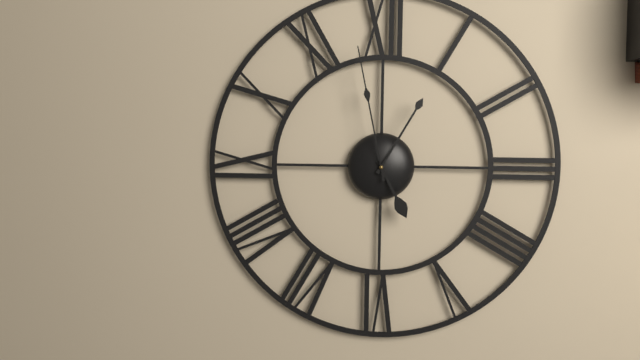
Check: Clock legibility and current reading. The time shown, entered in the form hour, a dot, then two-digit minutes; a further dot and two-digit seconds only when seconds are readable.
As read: 5.05.58
